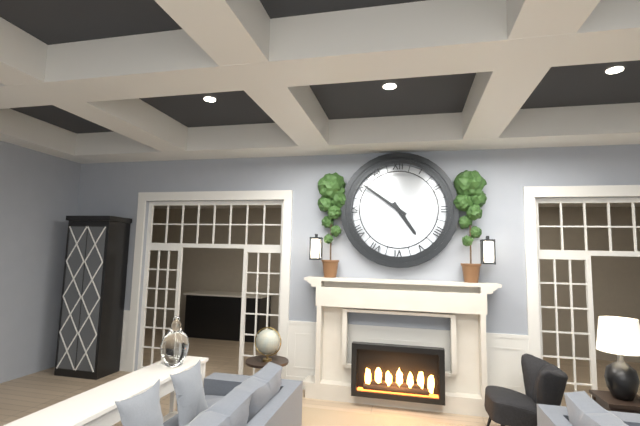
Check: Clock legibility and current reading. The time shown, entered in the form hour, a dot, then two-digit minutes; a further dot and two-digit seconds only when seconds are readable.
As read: 4.51
